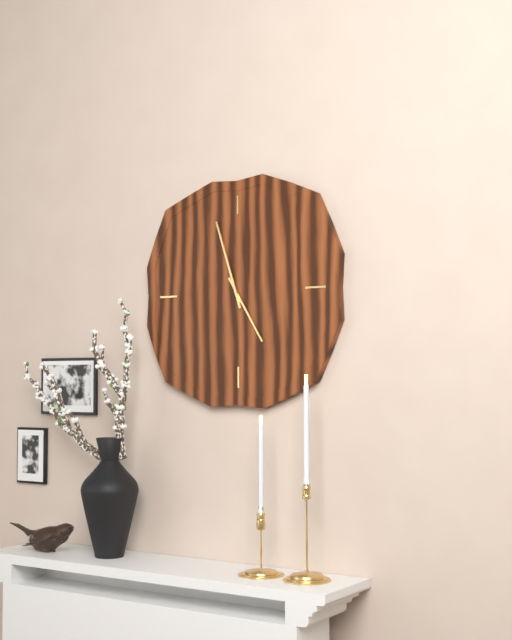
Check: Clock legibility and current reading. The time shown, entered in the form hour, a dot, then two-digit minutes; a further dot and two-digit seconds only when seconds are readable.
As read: 4.57
